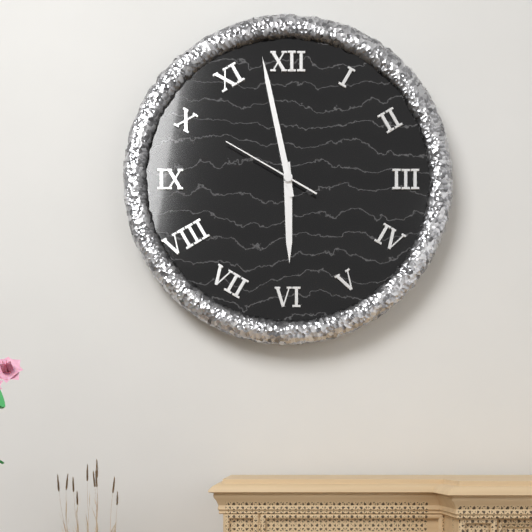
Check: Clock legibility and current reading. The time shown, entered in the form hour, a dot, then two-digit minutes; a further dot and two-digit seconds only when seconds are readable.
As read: 5.58.50
